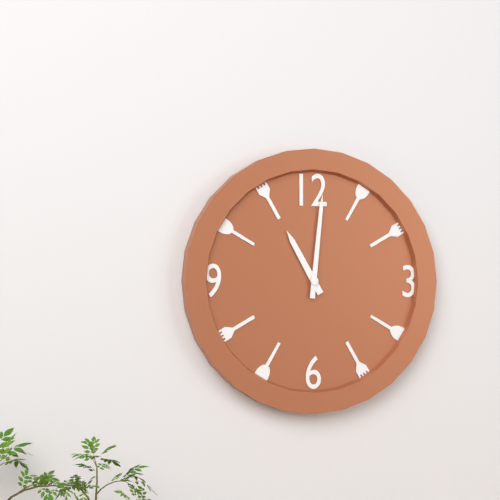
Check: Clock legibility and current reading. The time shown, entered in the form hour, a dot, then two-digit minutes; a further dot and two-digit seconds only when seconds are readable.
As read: 11.01
